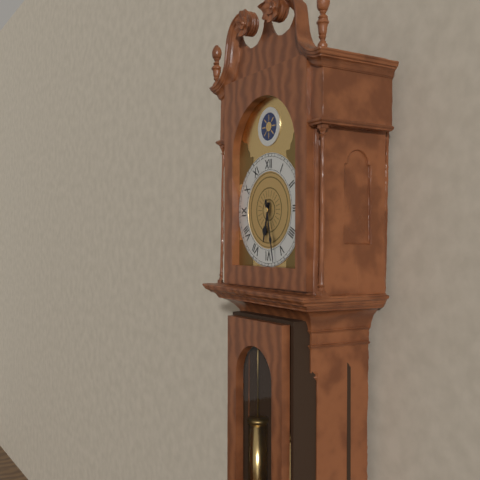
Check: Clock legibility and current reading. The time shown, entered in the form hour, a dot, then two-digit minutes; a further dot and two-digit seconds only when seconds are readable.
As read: 6.28
